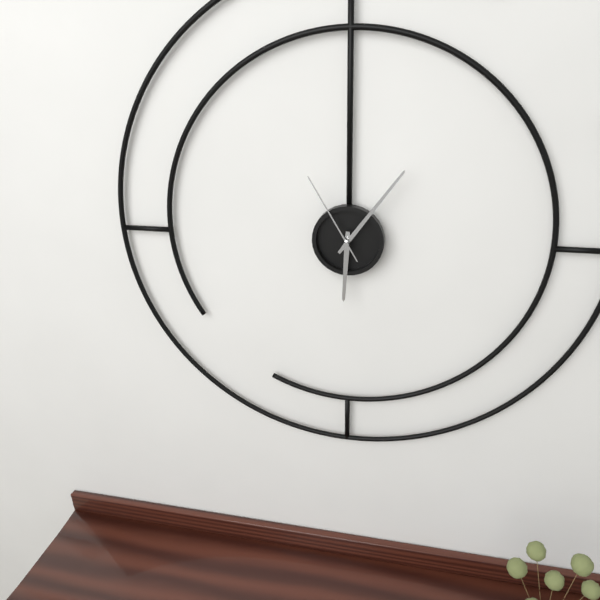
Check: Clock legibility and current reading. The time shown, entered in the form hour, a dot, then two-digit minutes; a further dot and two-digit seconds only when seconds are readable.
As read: 6.06.55
